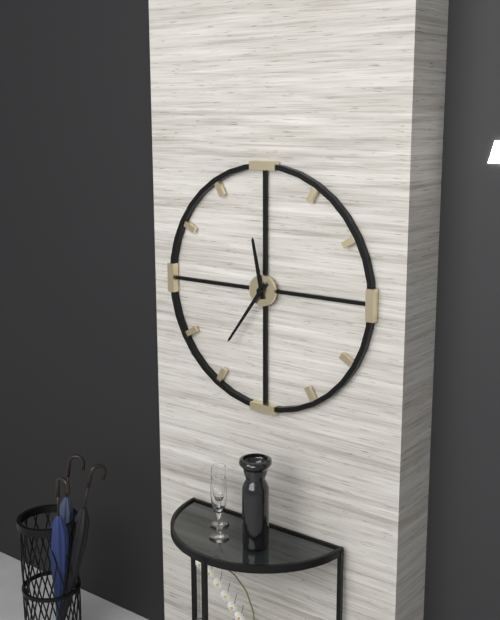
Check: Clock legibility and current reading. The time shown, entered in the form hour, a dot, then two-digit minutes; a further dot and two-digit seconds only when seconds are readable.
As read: 11.36
